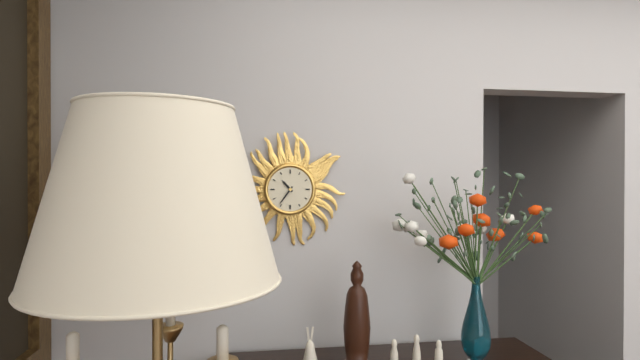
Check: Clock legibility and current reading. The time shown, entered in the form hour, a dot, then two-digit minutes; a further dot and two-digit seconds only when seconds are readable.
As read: 10.36
